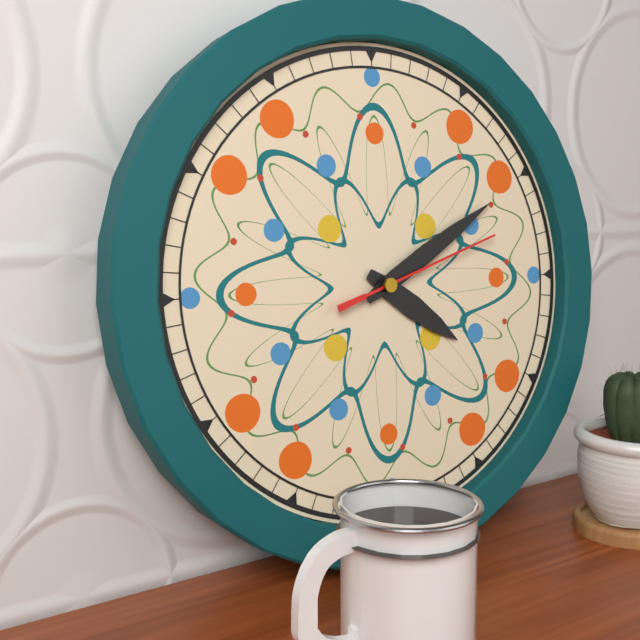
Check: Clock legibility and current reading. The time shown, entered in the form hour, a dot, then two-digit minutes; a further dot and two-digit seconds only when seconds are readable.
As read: 4.10.12
